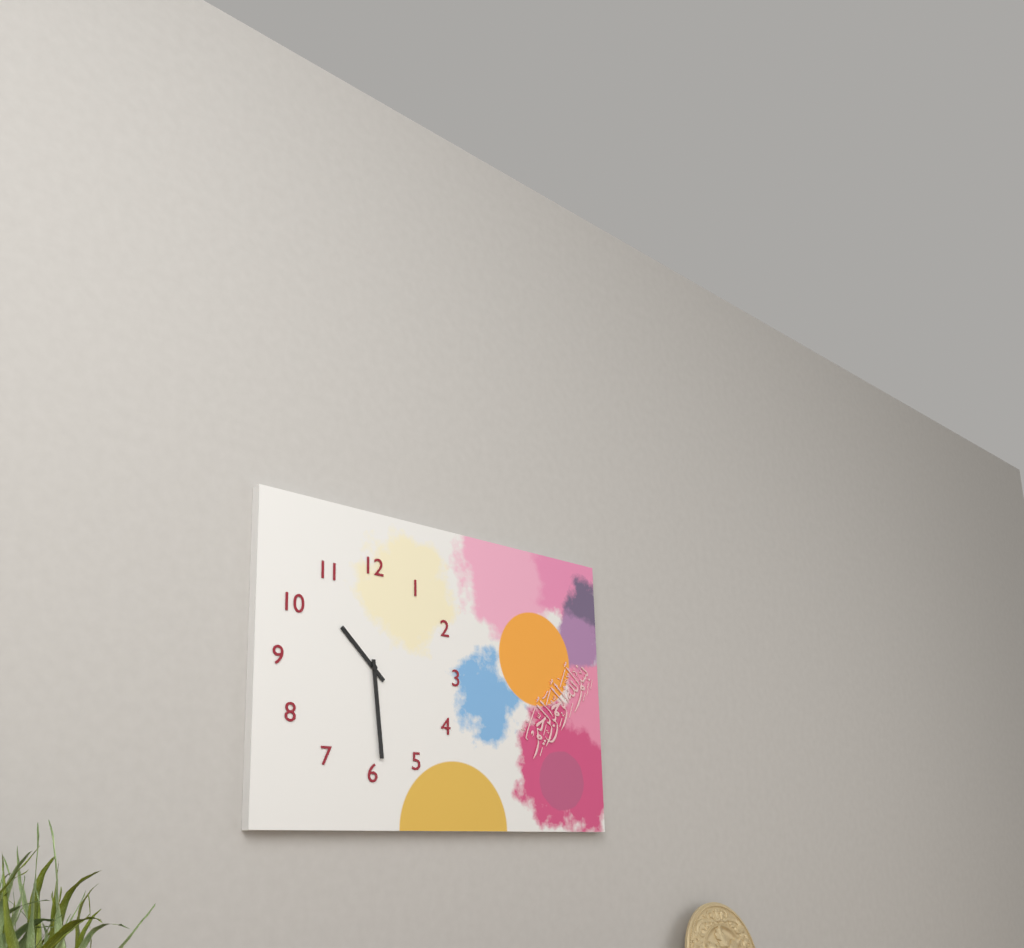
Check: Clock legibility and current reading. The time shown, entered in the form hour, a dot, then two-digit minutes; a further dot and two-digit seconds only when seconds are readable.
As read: 10.29
